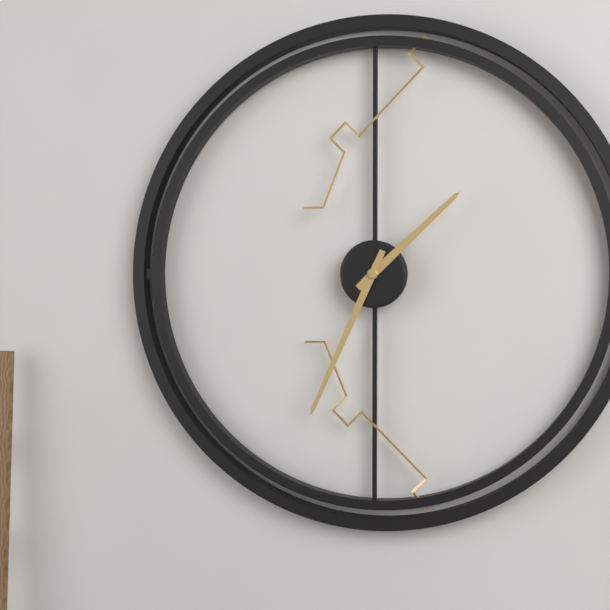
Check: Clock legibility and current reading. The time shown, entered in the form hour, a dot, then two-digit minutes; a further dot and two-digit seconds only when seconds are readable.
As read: 1.34
